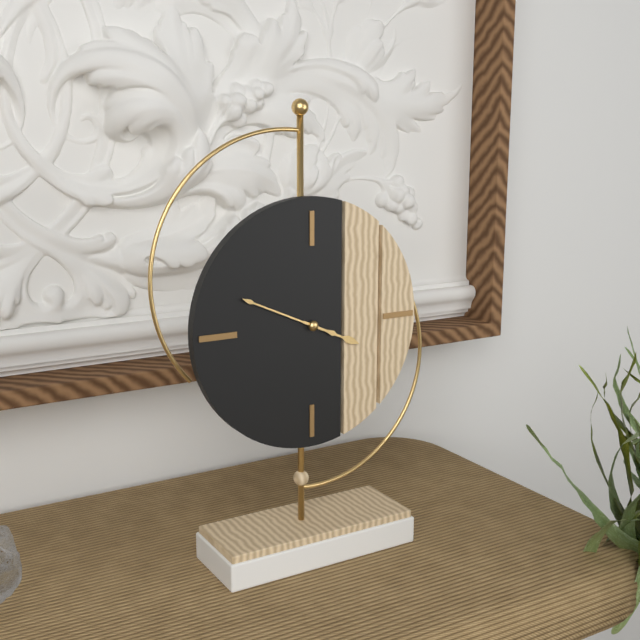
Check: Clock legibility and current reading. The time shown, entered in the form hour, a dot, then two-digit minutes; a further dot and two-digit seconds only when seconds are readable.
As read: 3.49
